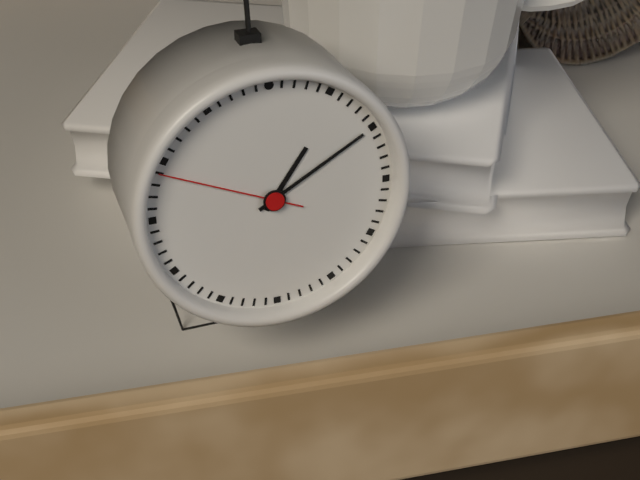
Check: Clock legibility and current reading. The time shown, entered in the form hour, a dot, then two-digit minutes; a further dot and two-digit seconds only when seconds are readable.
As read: 1.10.49
